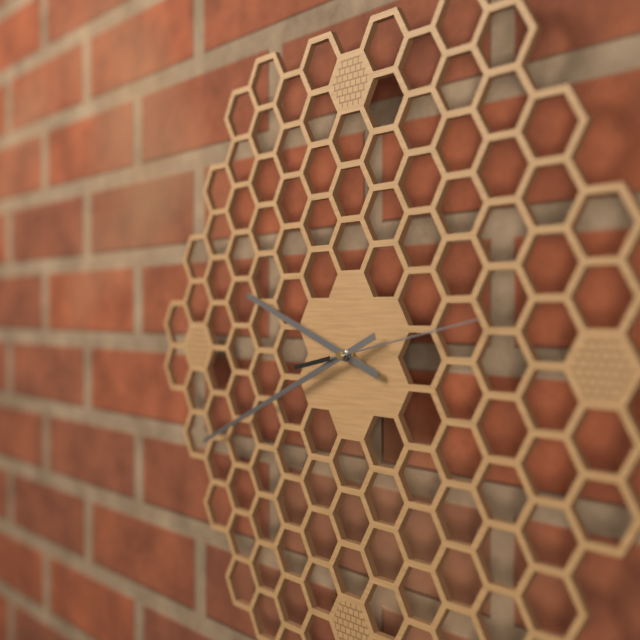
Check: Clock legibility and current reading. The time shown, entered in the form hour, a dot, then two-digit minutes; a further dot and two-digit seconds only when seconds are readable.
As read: 9.41.13
